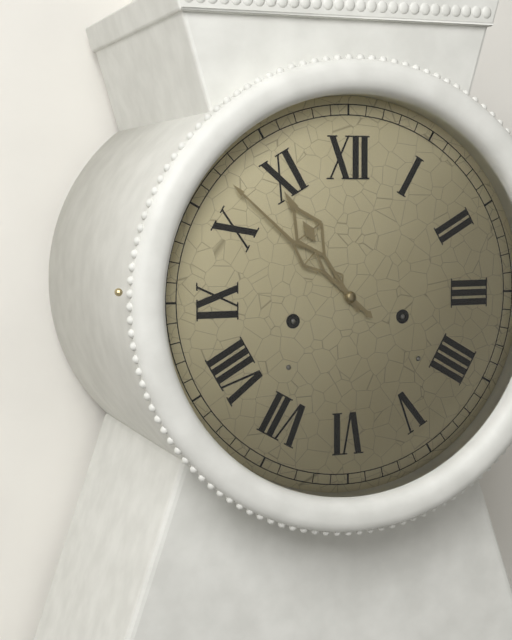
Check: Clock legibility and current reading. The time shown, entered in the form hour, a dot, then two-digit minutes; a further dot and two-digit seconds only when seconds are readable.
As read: 10.52
